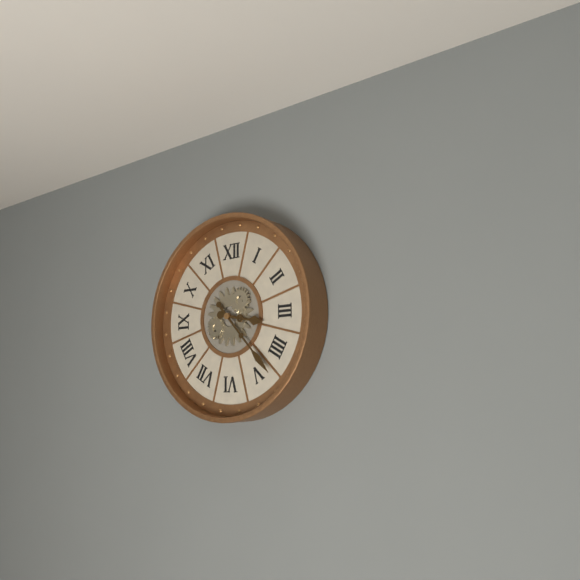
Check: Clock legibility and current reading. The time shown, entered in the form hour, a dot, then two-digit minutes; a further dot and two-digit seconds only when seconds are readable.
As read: 3.23
